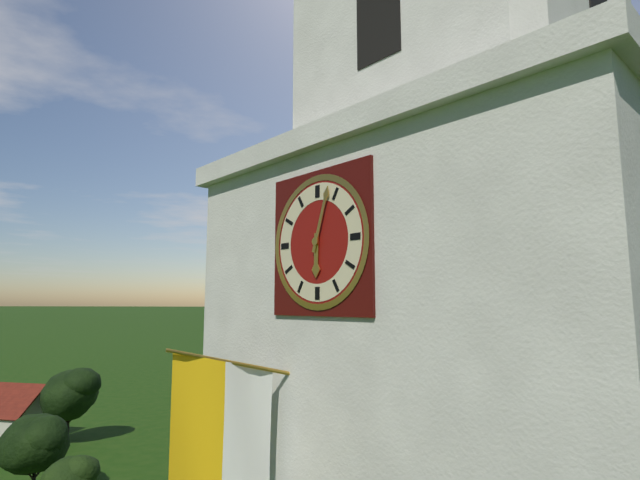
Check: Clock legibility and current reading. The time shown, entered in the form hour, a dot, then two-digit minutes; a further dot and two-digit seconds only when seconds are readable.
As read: 6.03
